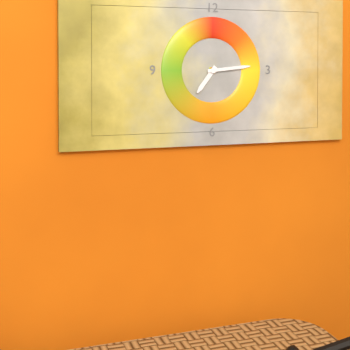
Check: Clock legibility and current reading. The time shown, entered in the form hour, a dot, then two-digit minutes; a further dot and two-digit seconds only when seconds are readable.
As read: 7.14
